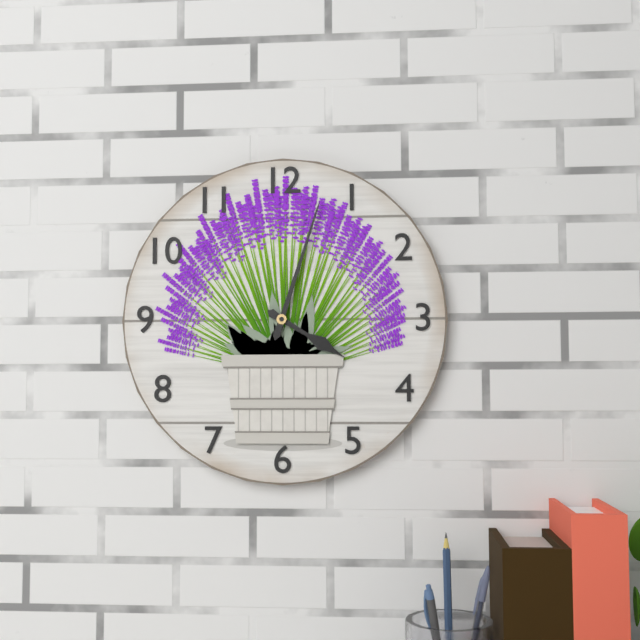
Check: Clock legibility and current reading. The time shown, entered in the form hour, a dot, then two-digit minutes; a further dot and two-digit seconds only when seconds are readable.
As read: 4.03
